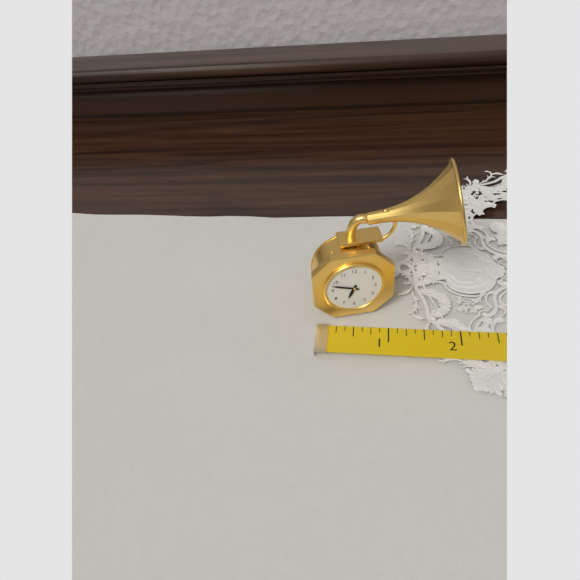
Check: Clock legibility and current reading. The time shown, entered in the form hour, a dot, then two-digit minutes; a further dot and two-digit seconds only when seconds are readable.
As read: 6.48
